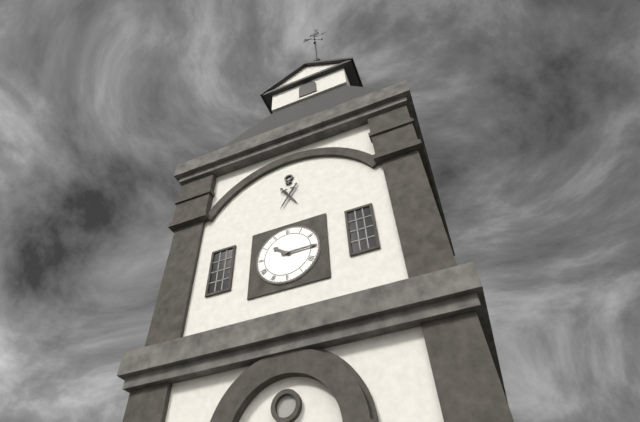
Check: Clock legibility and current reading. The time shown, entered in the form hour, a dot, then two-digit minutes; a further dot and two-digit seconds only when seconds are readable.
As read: 10.15
